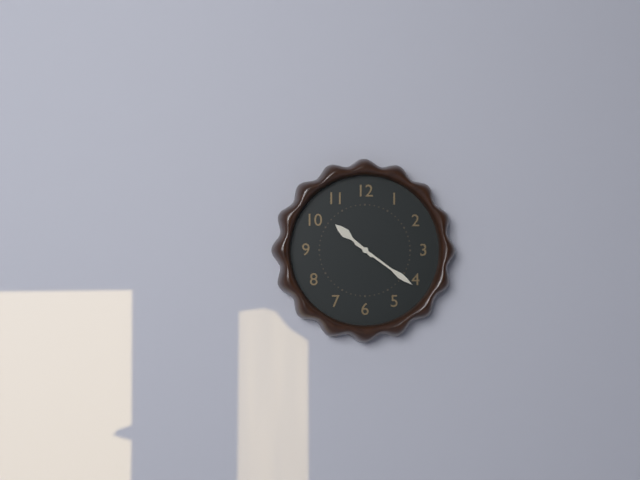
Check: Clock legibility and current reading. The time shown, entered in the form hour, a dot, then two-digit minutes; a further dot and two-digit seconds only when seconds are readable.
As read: 10.21
